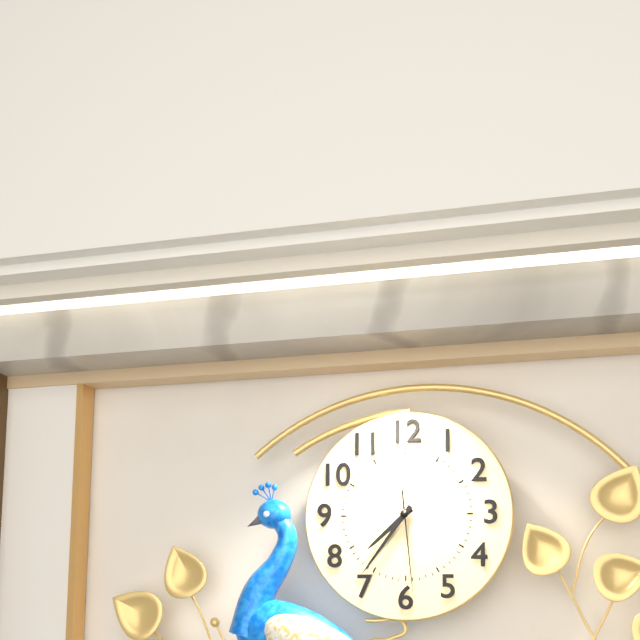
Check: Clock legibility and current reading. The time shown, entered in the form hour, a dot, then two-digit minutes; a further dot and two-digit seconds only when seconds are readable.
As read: 7.36.29
